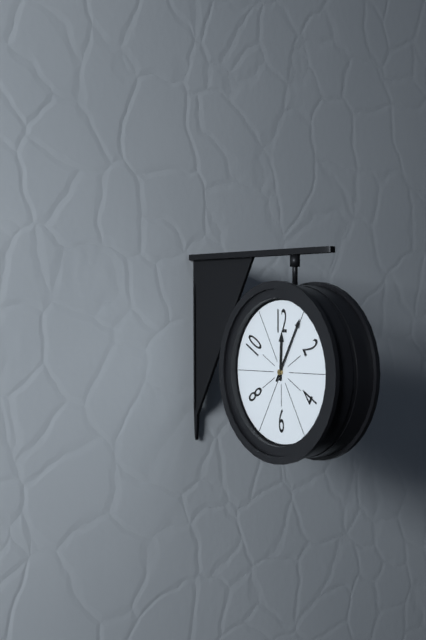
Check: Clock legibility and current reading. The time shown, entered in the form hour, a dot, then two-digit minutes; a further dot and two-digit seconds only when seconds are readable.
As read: 12.05
